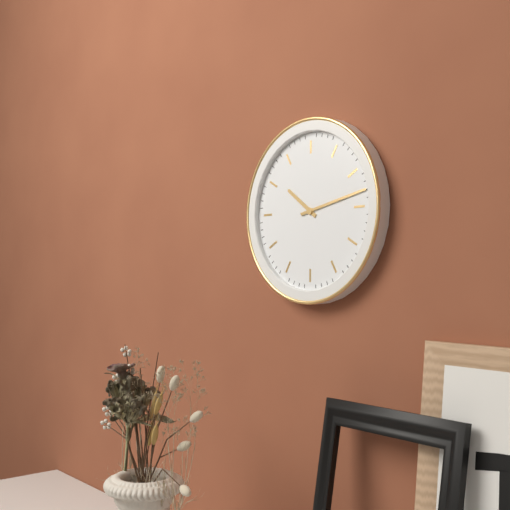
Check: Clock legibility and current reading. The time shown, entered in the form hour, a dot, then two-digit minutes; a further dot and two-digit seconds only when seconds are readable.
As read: 10.13
